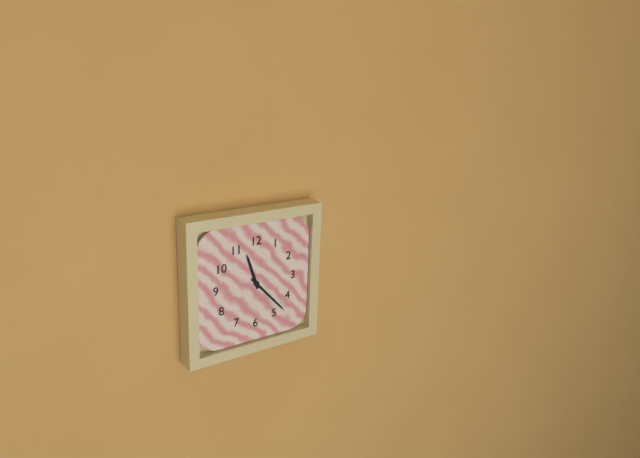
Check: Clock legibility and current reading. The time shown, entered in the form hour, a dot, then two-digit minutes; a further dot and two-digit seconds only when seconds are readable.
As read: 11.23
